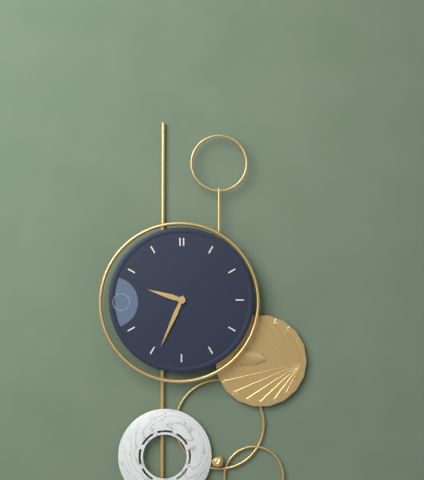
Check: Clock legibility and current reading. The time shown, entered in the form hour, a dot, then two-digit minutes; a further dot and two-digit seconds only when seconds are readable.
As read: 9.34
